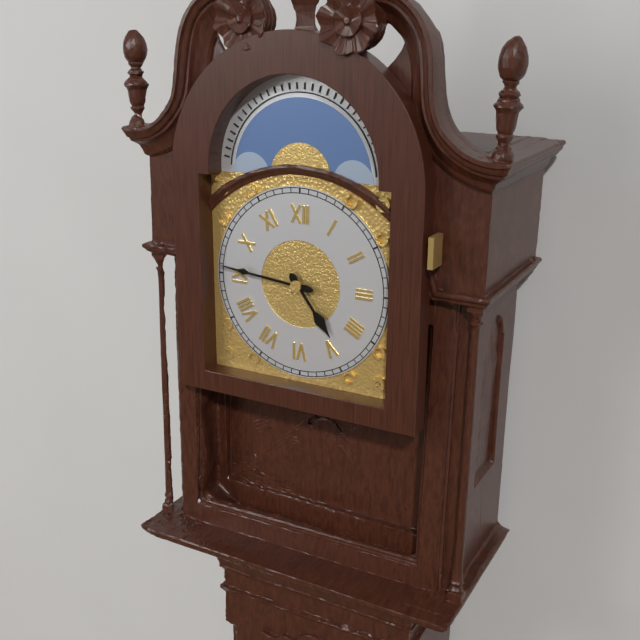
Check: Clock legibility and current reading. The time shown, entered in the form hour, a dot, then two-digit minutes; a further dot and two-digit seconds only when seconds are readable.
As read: 4.46
